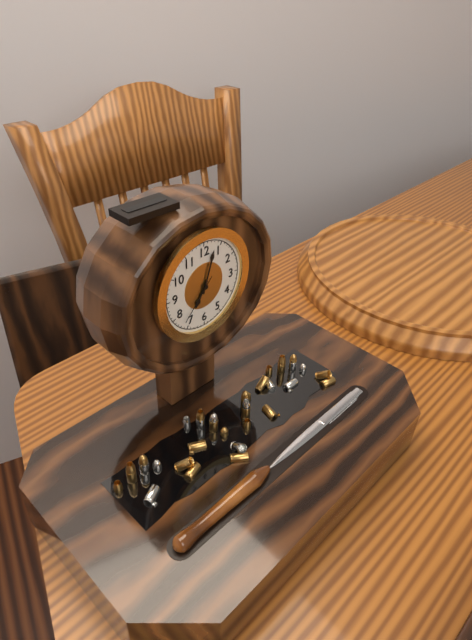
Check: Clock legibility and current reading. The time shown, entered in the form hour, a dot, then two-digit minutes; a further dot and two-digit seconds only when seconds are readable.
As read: 7.03.37
